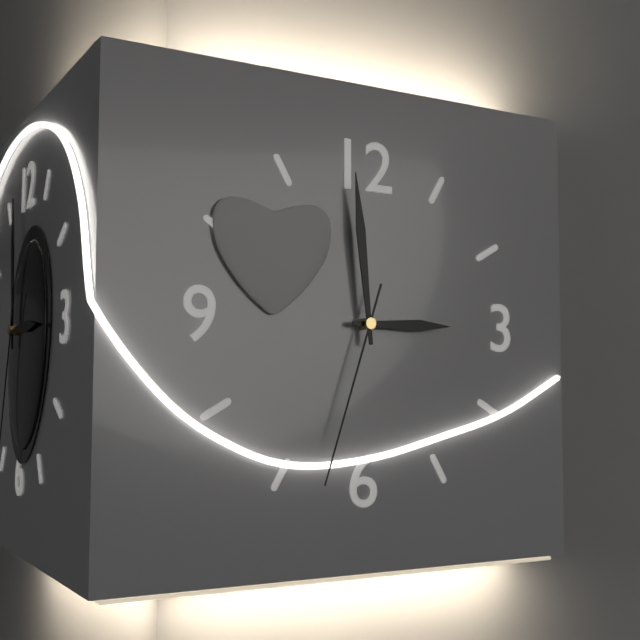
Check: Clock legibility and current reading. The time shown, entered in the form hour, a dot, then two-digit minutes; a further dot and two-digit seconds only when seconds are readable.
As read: 2.59.33
